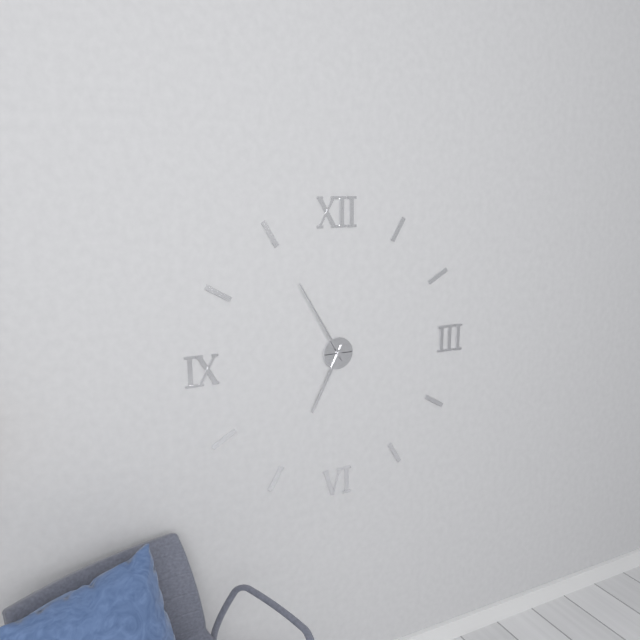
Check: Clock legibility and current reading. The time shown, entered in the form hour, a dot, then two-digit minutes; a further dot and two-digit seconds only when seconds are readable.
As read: 6.55
